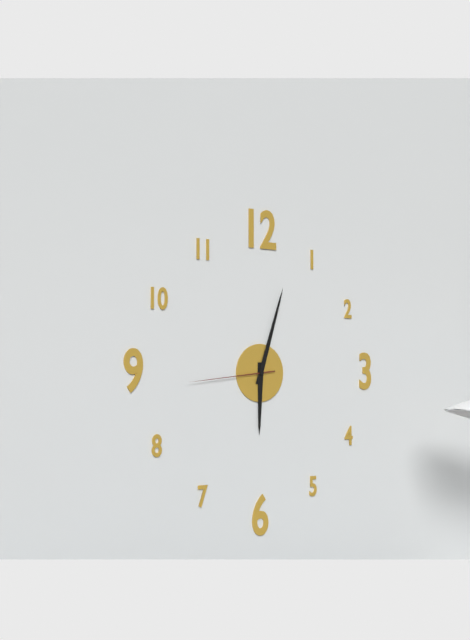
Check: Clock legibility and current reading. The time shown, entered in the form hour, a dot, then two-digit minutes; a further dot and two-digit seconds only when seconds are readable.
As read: 6.03.44
